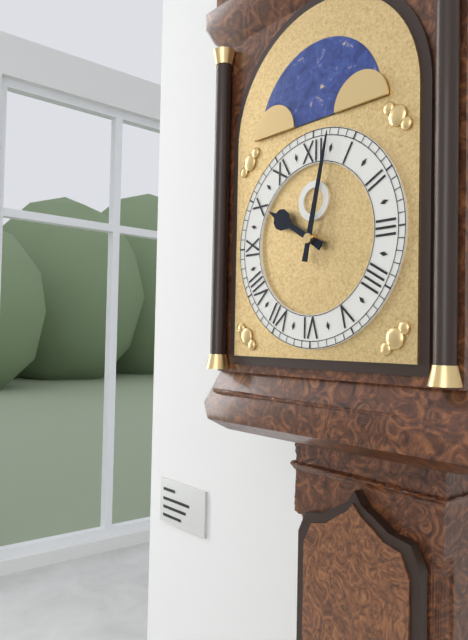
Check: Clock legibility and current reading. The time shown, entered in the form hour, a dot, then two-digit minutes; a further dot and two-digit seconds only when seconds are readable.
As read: 10.02
